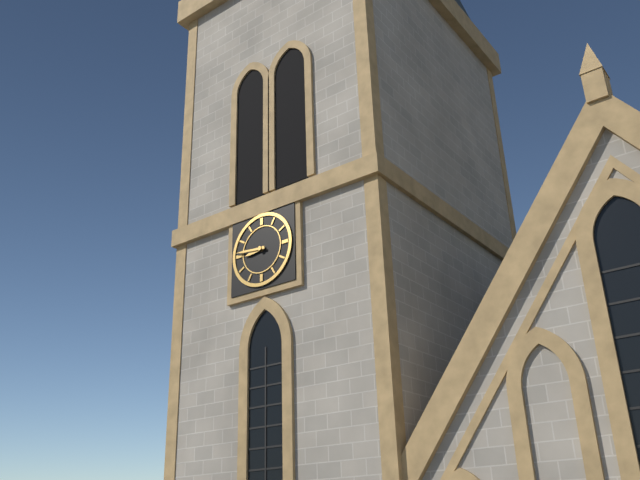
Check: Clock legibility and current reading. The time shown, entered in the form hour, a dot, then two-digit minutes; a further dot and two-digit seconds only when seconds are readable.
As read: 8.46
